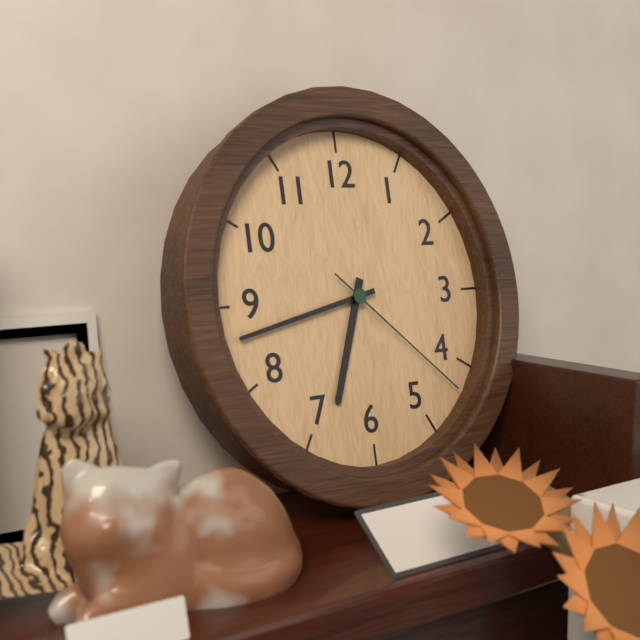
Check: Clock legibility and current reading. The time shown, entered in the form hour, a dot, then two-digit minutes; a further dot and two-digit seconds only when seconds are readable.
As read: 6.43.22
